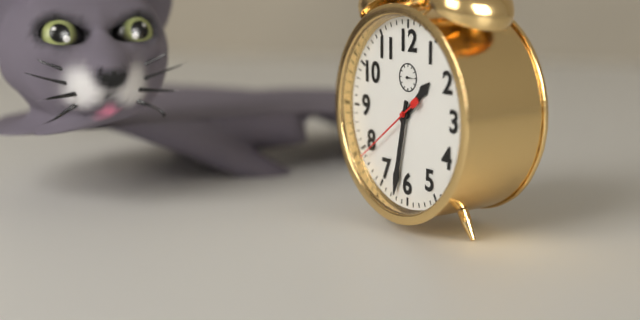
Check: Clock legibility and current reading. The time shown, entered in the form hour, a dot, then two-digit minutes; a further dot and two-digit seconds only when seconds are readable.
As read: 1.32.39
